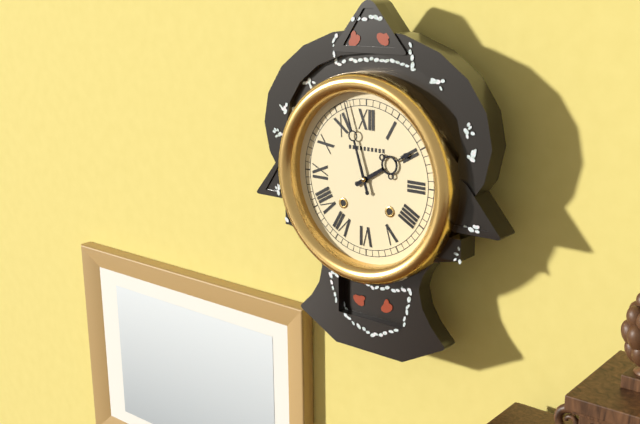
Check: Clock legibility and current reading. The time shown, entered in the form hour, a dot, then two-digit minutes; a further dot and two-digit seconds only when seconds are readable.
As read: 1.57
